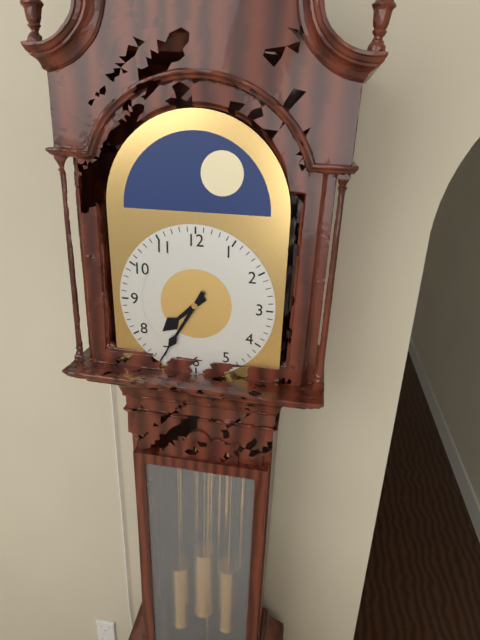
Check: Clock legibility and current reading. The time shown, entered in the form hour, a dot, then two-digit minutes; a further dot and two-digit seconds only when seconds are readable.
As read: 7.35
